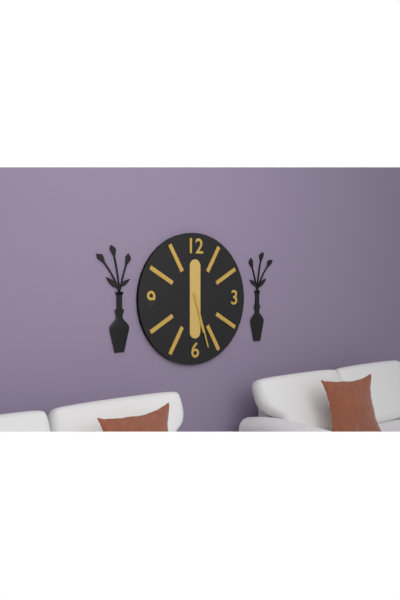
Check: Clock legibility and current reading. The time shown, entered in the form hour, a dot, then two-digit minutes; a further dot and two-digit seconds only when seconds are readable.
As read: 5.27
